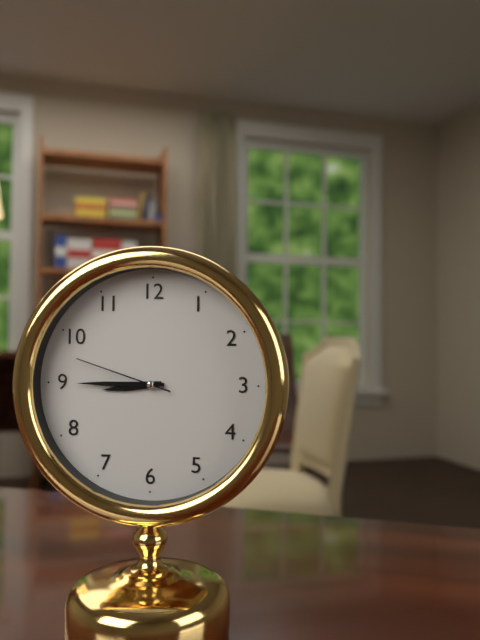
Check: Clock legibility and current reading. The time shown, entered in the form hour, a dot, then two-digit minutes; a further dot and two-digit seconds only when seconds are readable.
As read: 8.45.48
